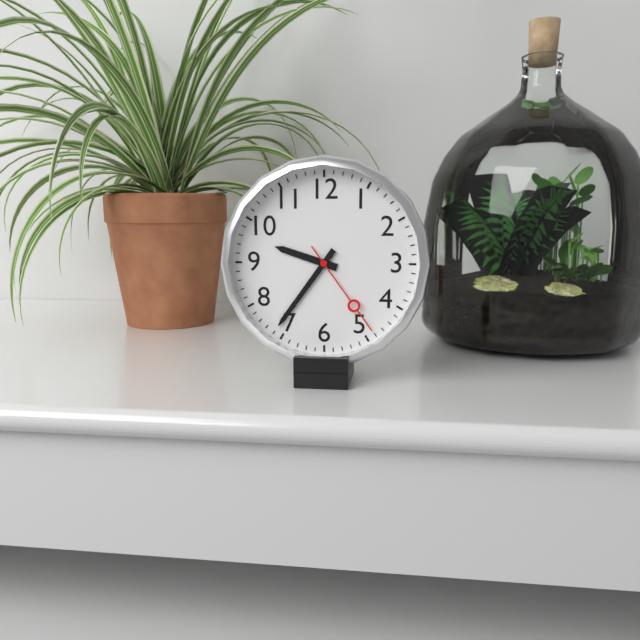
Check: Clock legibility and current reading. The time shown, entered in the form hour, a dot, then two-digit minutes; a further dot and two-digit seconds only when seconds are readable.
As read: 9.36.24
